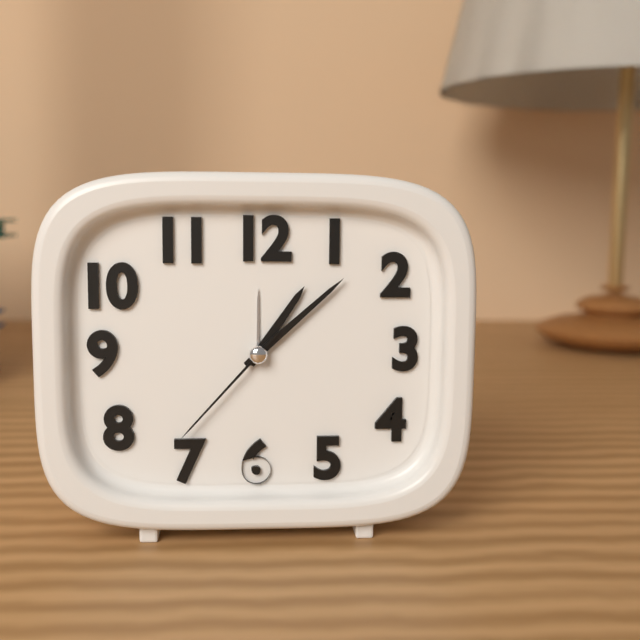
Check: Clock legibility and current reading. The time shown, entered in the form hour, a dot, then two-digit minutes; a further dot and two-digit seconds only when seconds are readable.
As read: 1.08.37
